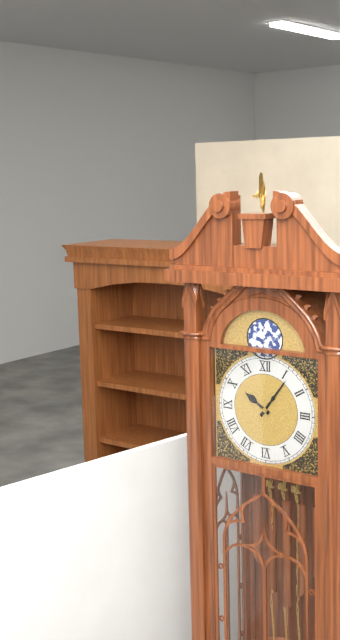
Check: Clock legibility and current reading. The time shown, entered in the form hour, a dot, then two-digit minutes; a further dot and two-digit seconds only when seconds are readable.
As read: 10.06
